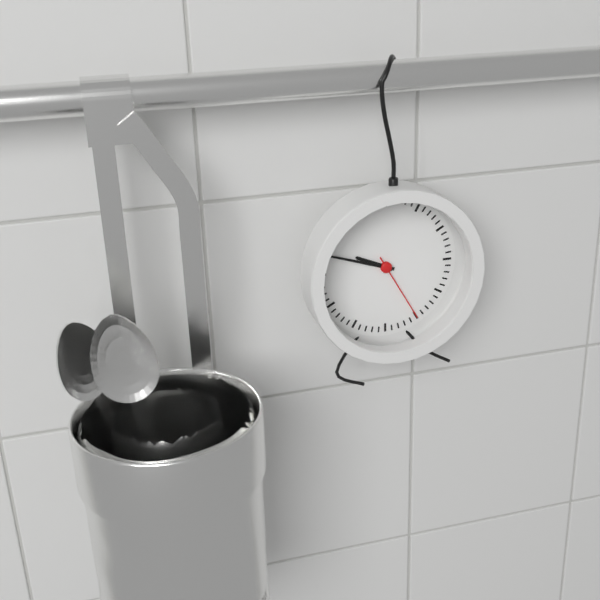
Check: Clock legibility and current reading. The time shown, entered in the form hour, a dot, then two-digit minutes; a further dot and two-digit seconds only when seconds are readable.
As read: 9.48.25
